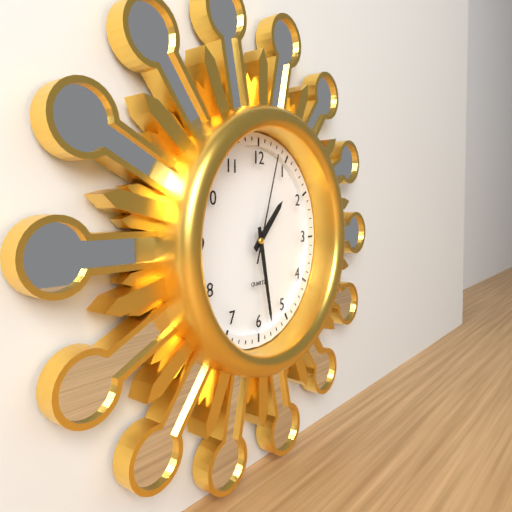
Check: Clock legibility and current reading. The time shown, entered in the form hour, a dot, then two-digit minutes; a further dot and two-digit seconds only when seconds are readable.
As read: 1.28.03
